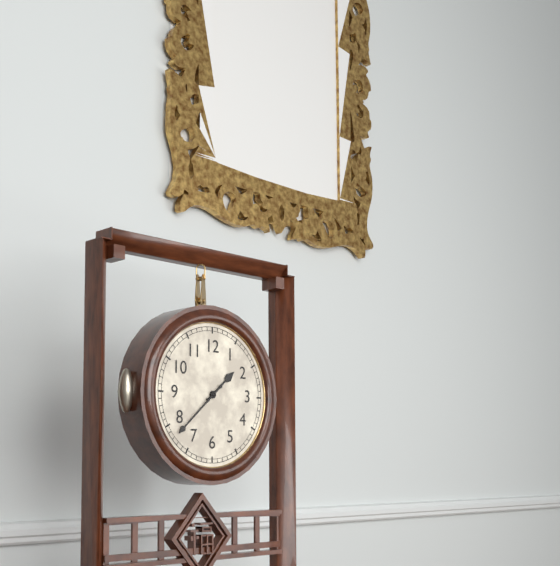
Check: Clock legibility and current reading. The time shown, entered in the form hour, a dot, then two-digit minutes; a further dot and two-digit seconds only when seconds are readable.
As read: 1.38
